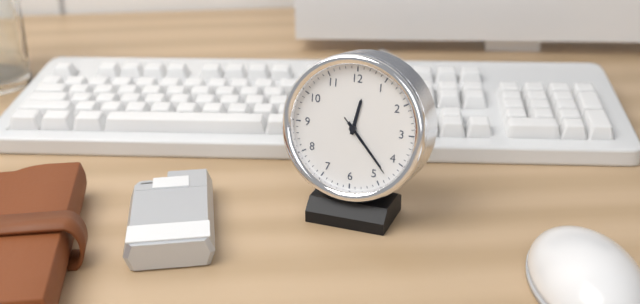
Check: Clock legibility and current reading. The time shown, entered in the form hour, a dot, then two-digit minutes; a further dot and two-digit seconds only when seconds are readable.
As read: 12.23.23
